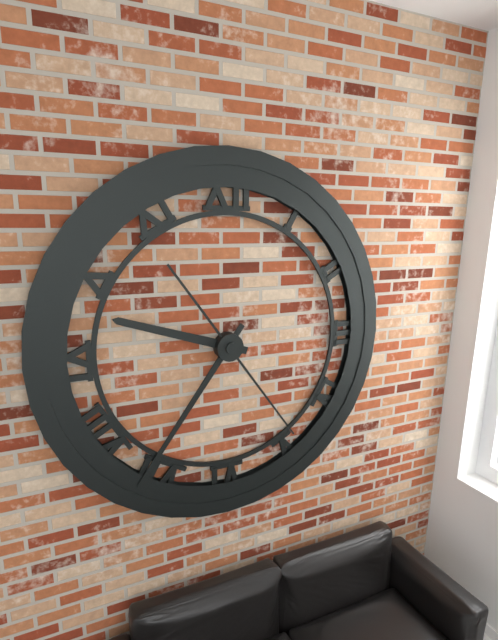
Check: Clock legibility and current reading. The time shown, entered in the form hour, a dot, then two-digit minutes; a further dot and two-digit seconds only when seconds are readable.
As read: 9.36.24
